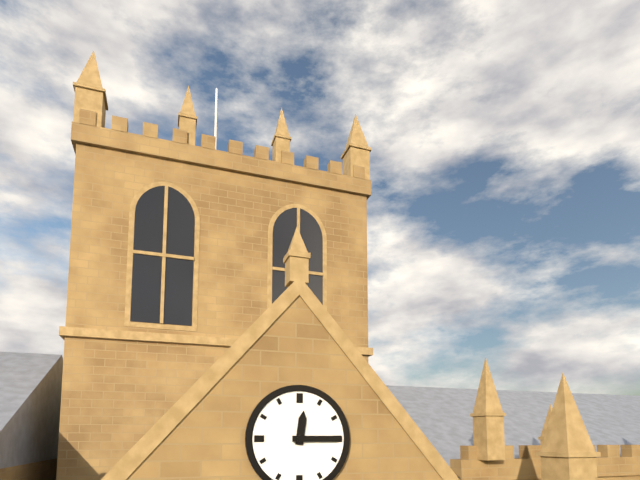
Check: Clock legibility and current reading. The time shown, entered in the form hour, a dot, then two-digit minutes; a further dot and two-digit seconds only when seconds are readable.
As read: 12.15
